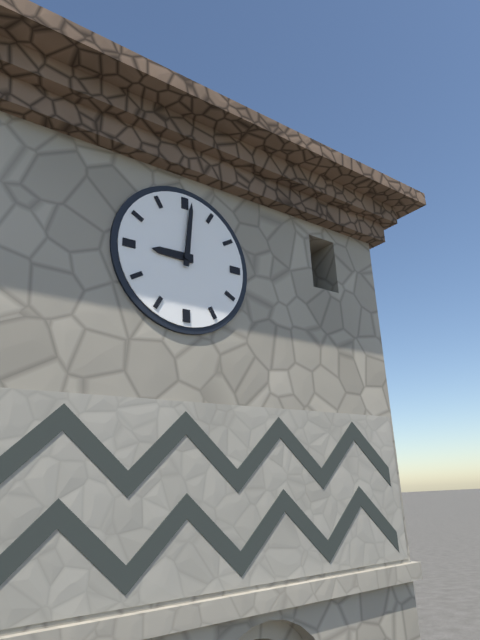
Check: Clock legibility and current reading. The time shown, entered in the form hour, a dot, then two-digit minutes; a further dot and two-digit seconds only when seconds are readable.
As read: 9.01
